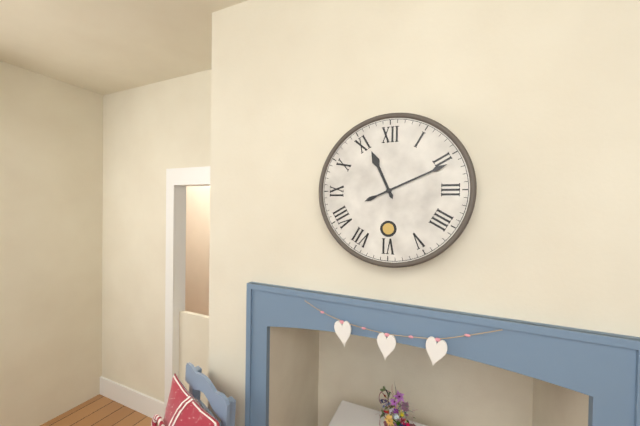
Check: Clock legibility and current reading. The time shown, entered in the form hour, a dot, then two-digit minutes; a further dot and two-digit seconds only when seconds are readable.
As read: 11.11
